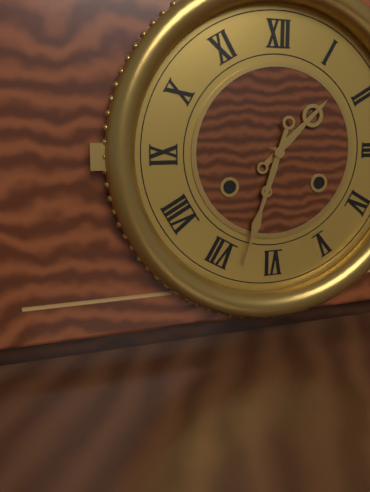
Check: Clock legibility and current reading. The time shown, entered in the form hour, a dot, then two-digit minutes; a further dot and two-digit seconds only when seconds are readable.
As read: 1.33
